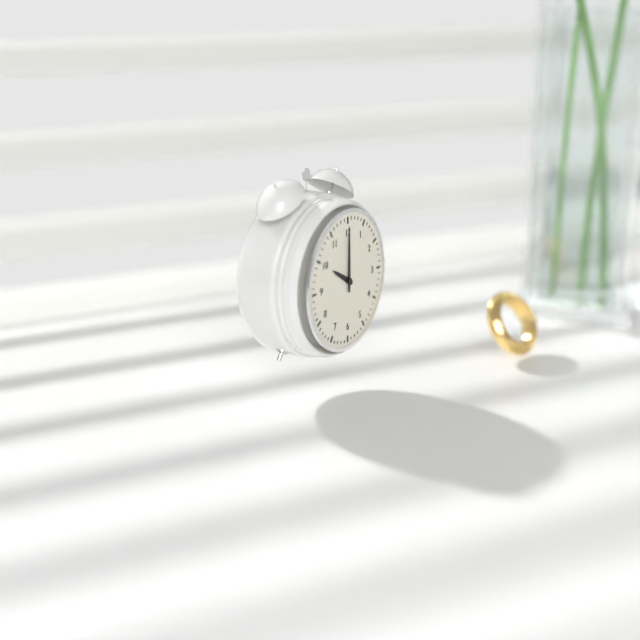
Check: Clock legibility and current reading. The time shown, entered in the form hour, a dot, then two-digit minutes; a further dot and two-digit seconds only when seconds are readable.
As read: 10.00
